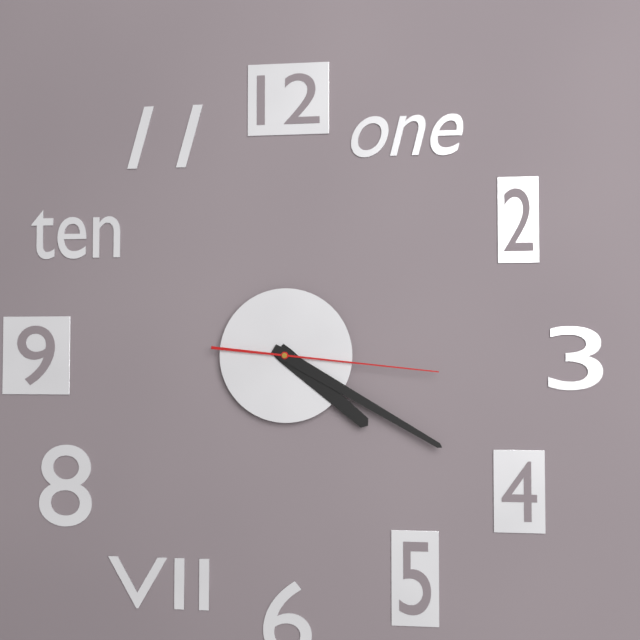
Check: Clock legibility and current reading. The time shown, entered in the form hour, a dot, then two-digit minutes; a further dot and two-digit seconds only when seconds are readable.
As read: 4.20.16
